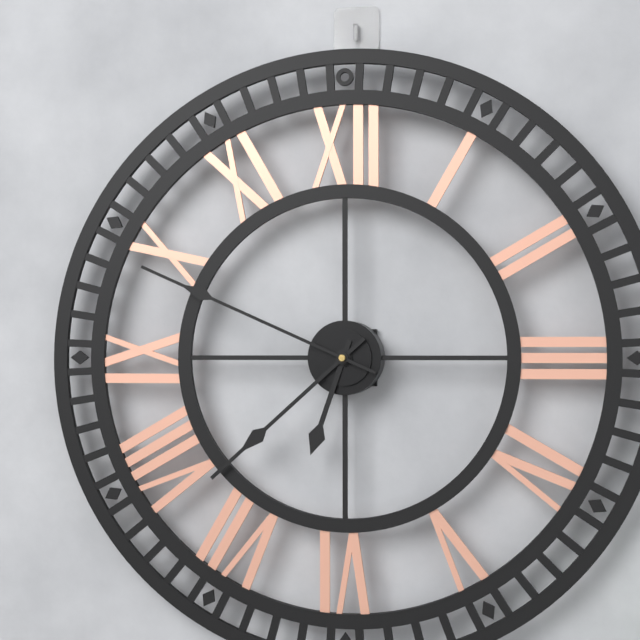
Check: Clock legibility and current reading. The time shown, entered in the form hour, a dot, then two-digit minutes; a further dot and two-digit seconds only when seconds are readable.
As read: 6.38.49
